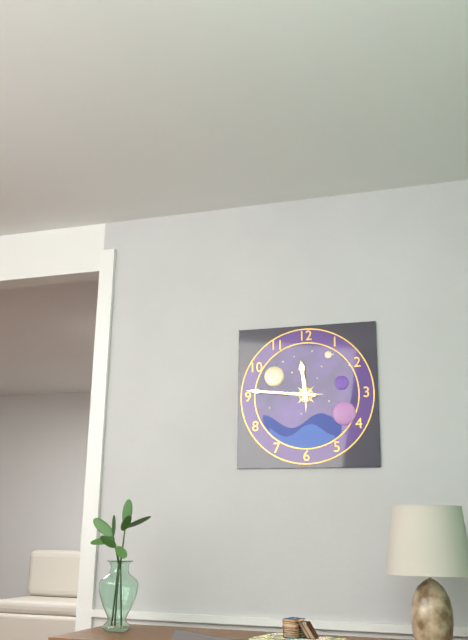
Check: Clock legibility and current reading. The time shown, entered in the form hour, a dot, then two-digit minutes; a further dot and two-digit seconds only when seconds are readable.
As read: 11.46
